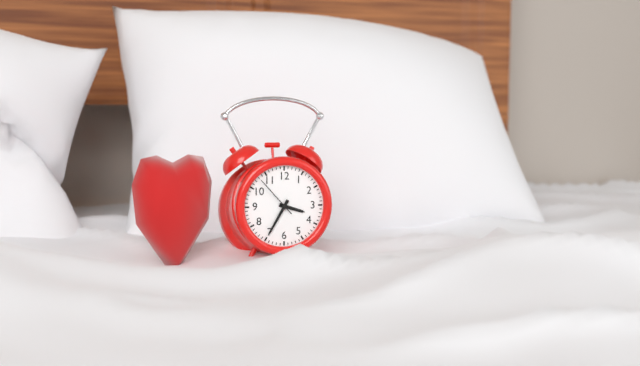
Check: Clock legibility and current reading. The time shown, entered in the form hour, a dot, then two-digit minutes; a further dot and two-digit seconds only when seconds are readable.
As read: 3.35
